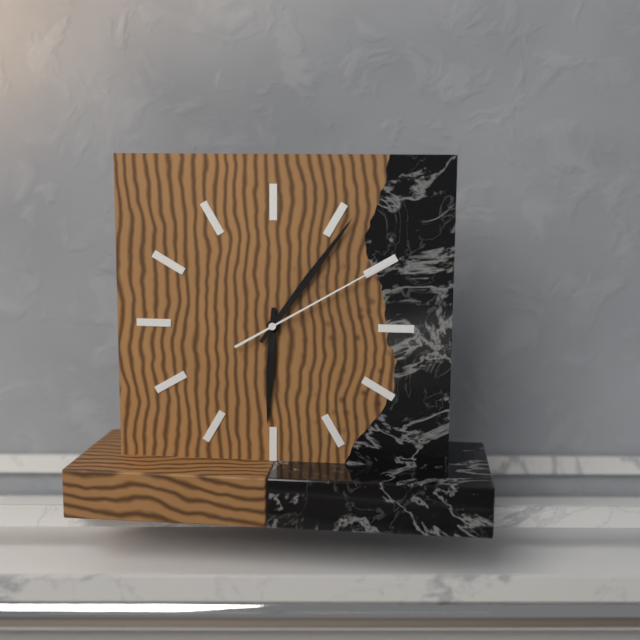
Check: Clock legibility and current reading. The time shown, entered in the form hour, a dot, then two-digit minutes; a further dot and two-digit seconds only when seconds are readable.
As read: 6.06.10
